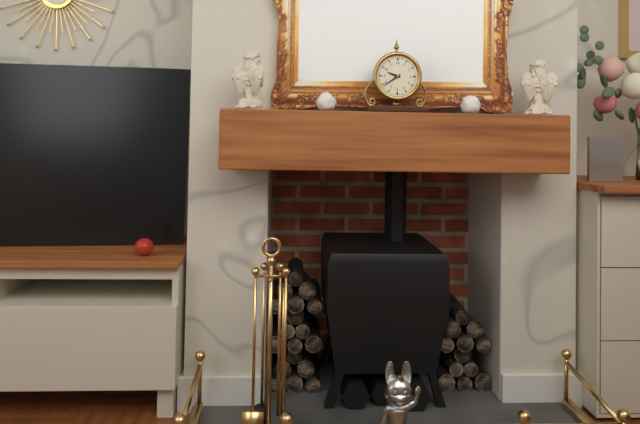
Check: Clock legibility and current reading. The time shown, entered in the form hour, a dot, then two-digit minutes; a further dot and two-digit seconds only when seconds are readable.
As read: 9.39
